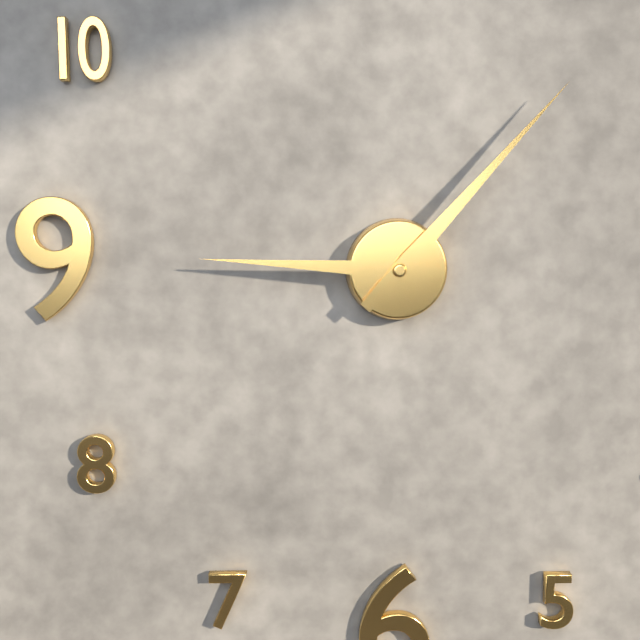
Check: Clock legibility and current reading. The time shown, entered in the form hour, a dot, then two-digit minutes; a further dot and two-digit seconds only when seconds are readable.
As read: 9.07
